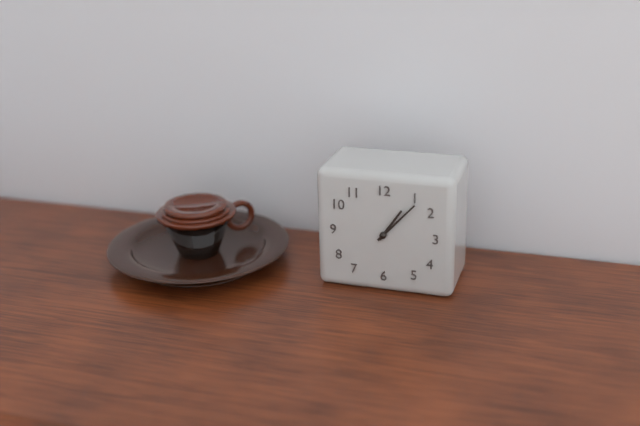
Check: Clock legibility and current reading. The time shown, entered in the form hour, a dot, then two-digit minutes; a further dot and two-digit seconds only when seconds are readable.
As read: 1.07
